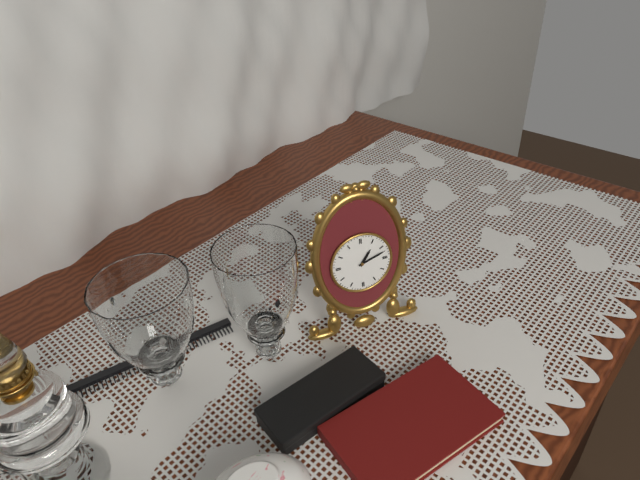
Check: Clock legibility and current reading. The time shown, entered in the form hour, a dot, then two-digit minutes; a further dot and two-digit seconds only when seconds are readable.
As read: 1.12
